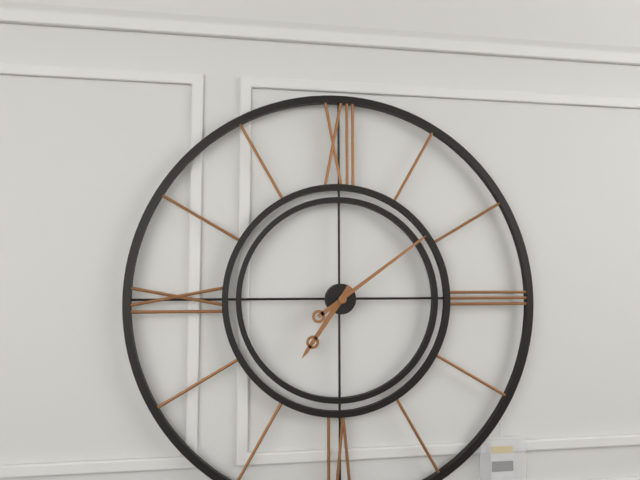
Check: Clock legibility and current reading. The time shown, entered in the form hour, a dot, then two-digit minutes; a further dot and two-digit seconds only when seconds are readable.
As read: 7.09
